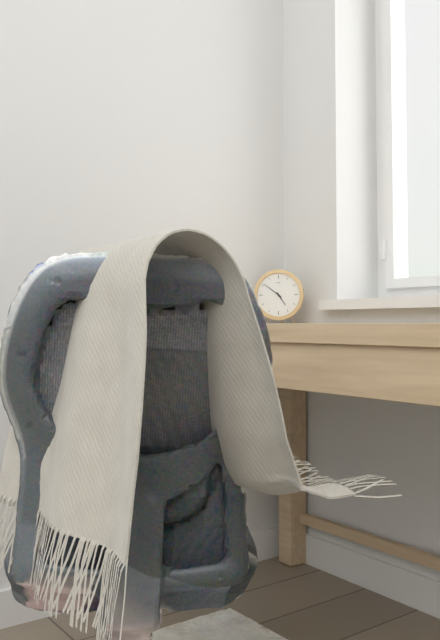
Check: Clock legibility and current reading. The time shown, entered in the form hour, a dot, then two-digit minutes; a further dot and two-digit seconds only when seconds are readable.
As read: 4.51
